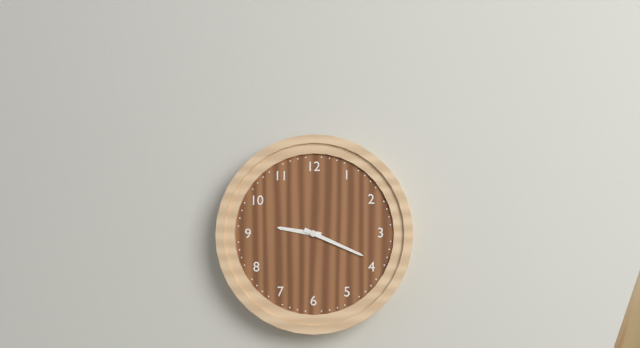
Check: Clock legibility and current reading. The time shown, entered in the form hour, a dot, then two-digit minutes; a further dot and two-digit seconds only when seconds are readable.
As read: 9.19
